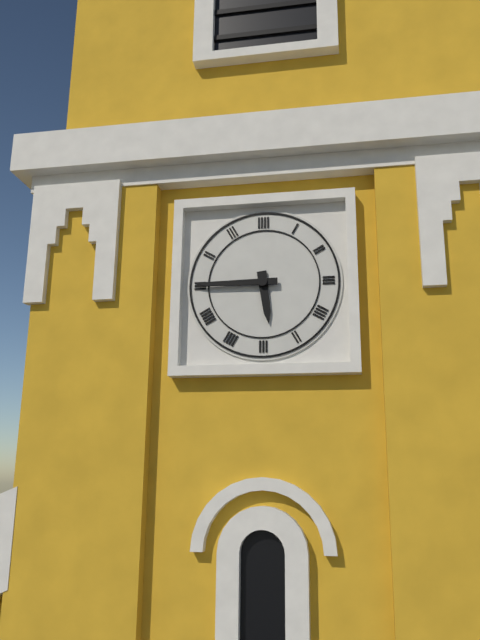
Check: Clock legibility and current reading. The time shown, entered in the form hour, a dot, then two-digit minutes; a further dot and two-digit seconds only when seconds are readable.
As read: 5.45
